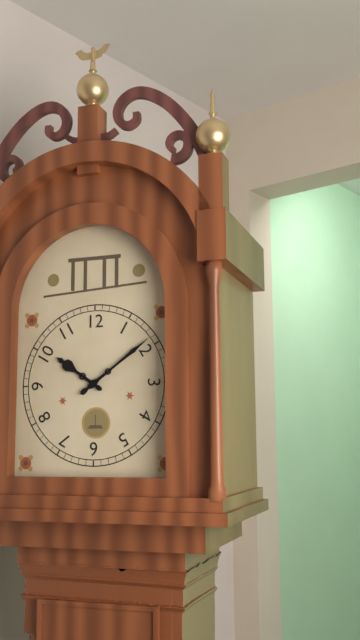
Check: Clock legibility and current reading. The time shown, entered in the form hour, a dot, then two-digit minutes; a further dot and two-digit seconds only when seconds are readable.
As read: 10.09
